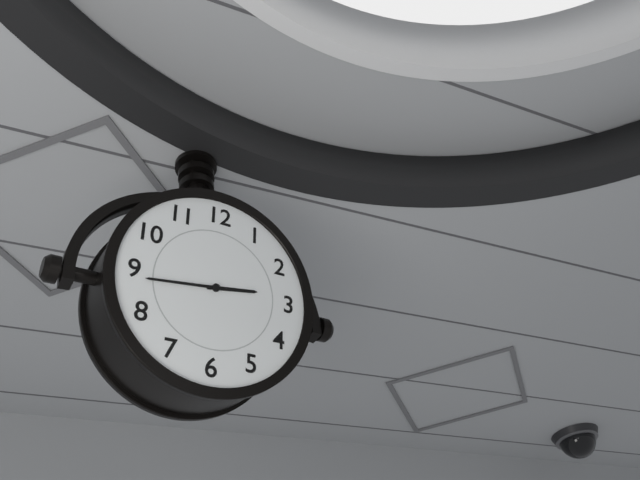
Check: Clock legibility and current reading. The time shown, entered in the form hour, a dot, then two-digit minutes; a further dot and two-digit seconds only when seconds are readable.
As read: 2.44
